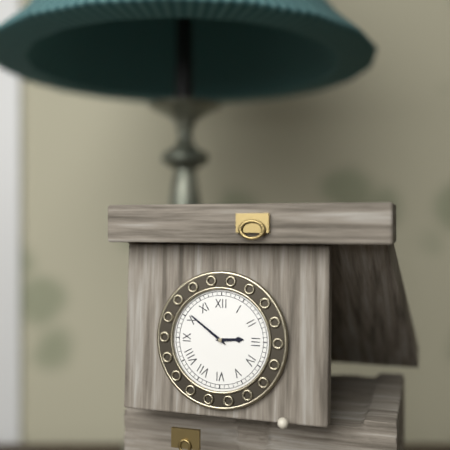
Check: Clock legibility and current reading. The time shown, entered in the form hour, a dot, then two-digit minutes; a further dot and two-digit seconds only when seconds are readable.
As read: 2.51
